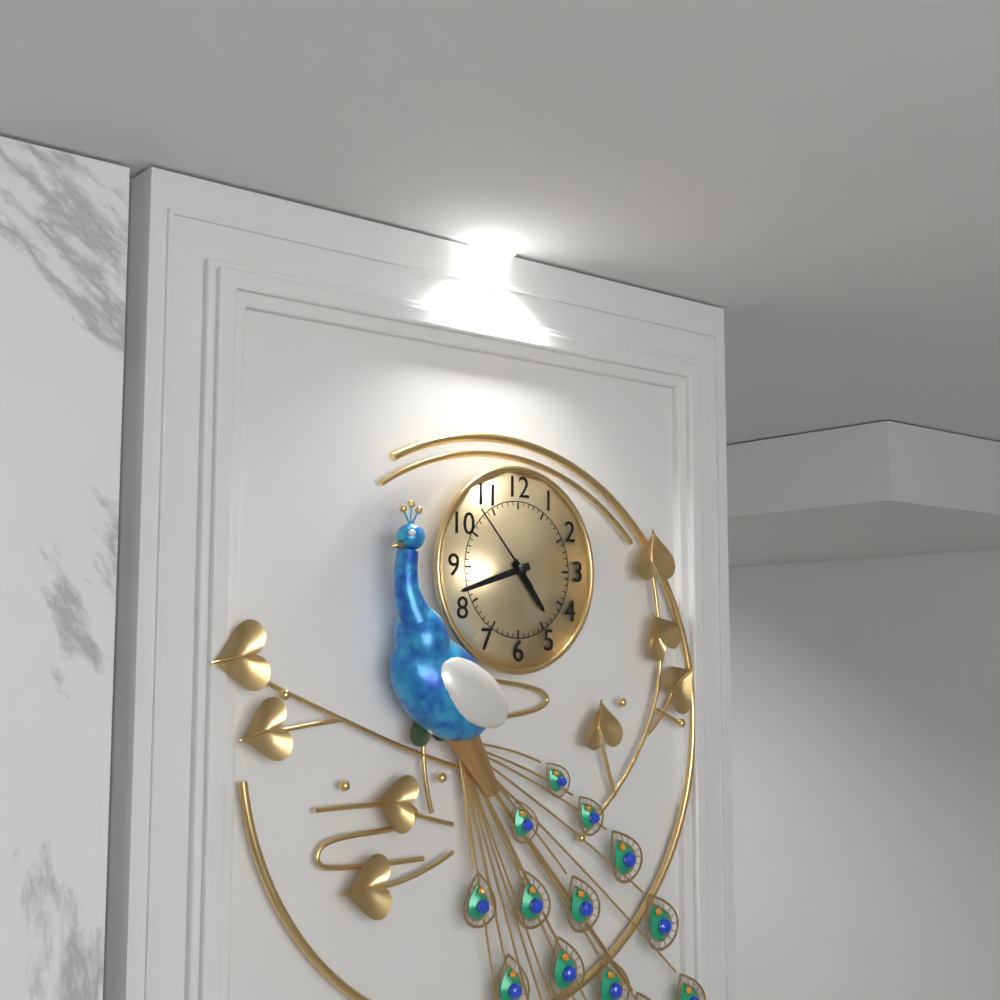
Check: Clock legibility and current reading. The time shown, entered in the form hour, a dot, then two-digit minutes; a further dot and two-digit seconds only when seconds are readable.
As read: 4.42.53
